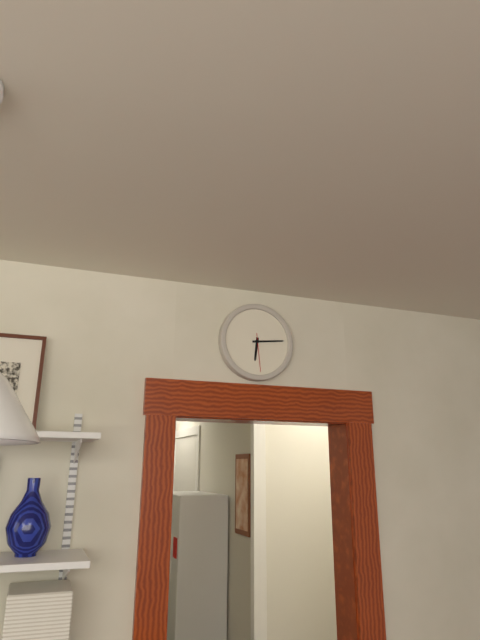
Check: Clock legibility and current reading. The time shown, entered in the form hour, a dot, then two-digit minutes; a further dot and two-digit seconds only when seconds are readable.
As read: 6.14
